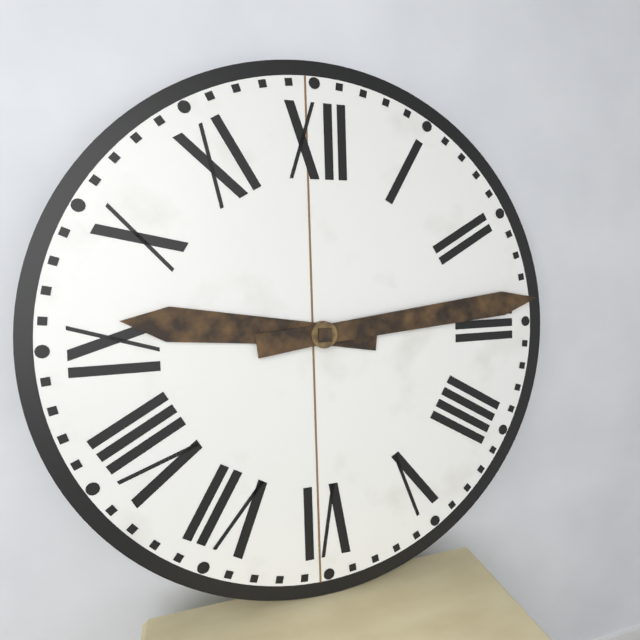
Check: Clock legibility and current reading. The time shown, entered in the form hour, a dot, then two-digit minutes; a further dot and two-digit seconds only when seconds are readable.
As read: 9.14
